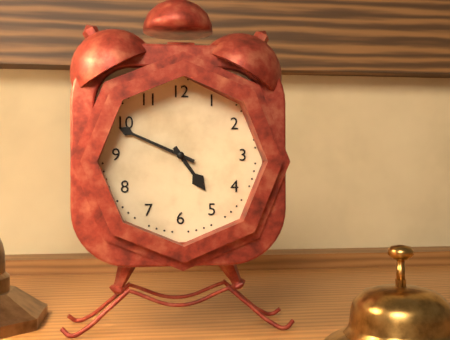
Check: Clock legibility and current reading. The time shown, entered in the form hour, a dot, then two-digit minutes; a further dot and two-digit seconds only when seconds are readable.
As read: 4.49
